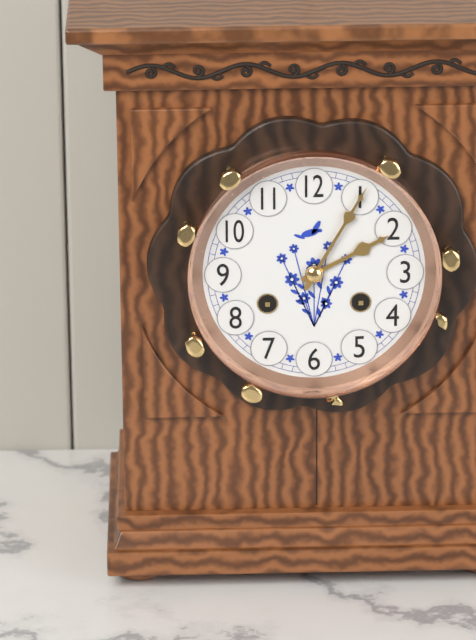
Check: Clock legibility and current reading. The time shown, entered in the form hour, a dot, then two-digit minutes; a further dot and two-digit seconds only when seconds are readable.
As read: 2.05
